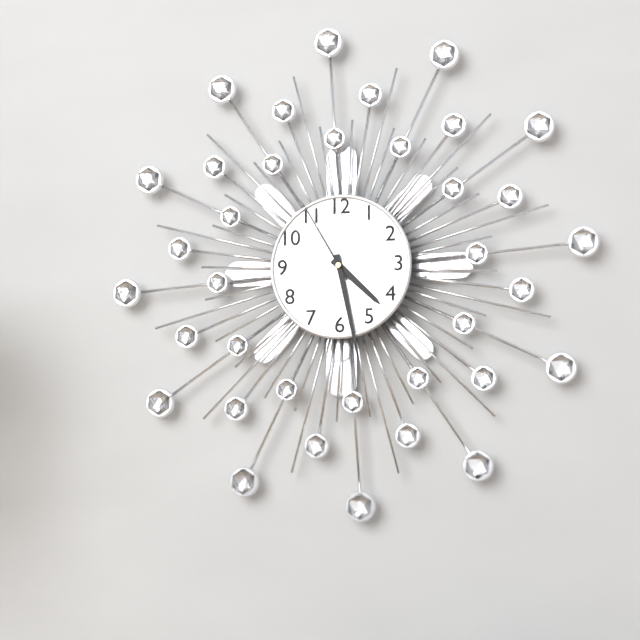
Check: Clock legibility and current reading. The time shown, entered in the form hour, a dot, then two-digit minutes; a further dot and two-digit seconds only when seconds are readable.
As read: 4.28.55
